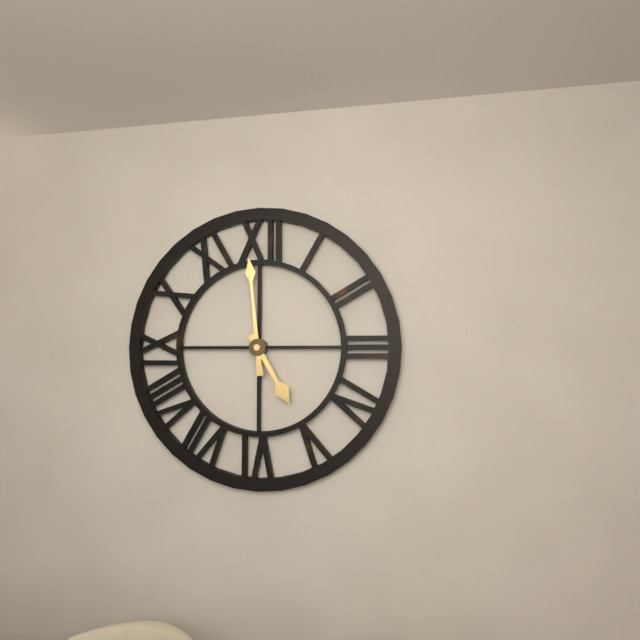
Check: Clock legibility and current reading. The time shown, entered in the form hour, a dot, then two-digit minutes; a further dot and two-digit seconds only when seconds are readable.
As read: 4.59
